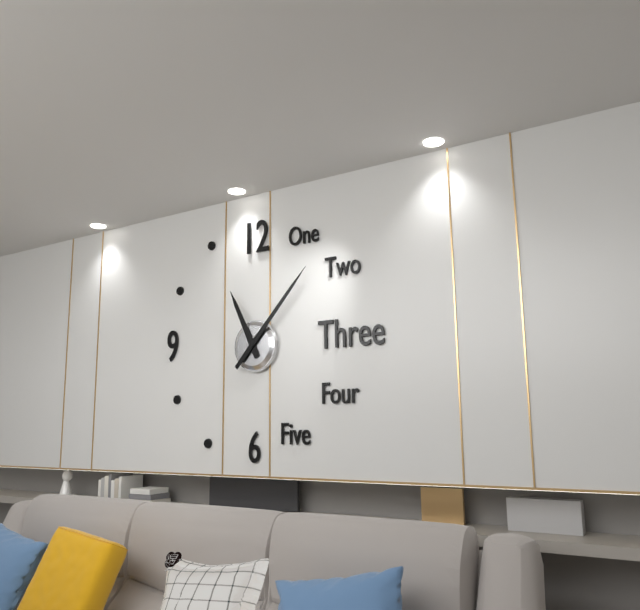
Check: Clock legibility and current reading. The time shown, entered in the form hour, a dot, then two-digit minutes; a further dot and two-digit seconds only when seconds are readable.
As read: 11.07
